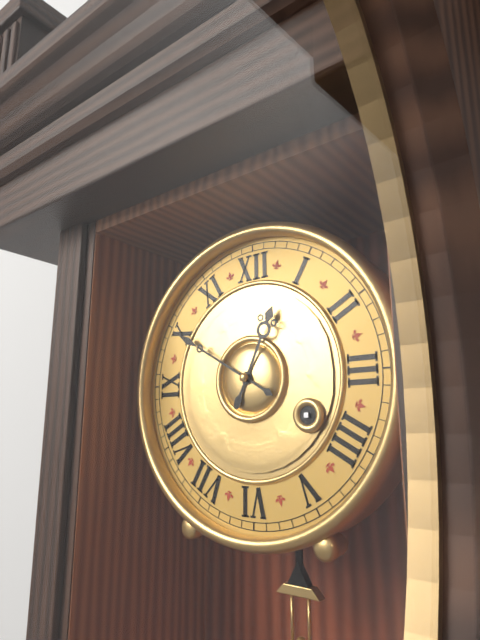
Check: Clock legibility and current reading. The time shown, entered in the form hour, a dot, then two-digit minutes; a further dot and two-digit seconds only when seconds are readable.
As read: 12.50
